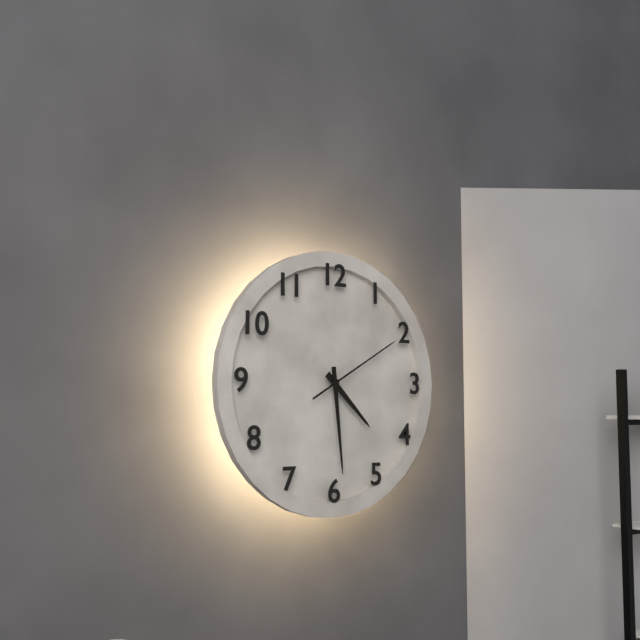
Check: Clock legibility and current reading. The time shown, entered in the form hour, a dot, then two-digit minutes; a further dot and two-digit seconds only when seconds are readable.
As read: 4.29.10
